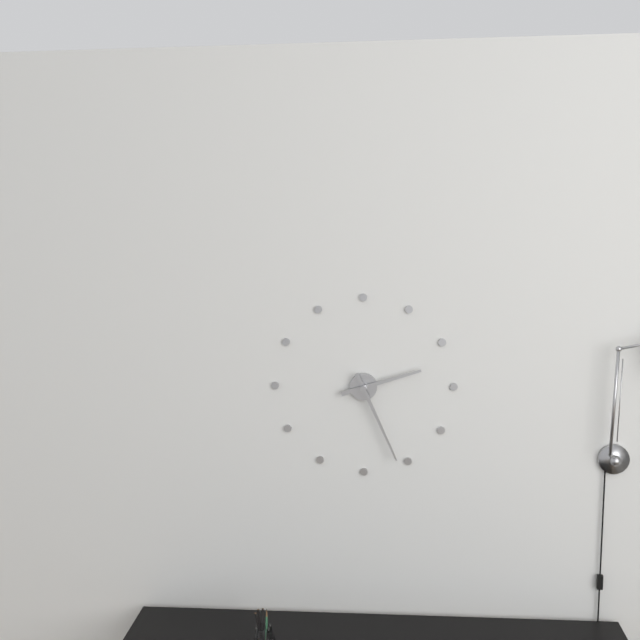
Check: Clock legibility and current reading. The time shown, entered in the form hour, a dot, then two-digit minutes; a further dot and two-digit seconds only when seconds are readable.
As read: 2.26
